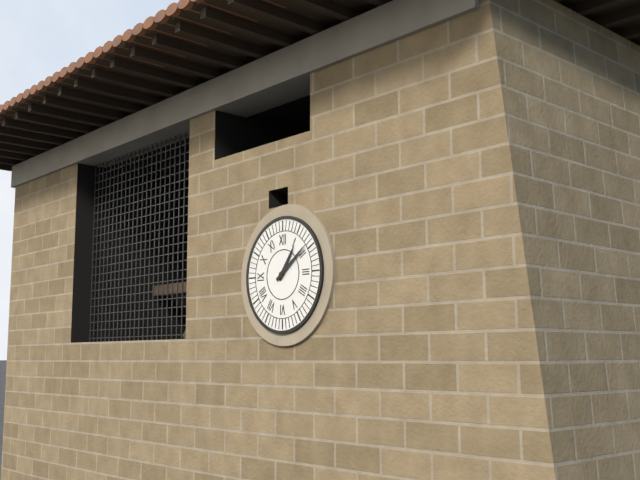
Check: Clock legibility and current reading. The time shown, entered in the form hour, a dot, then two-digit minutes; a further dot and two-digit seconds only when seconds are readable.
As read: 1.09
